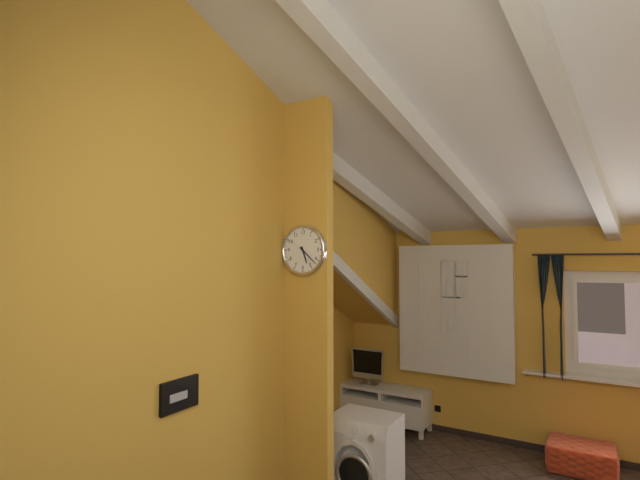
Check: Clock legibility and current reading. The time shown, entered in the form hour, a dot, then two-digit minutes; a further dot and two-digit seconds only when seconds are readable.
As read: 5.22
